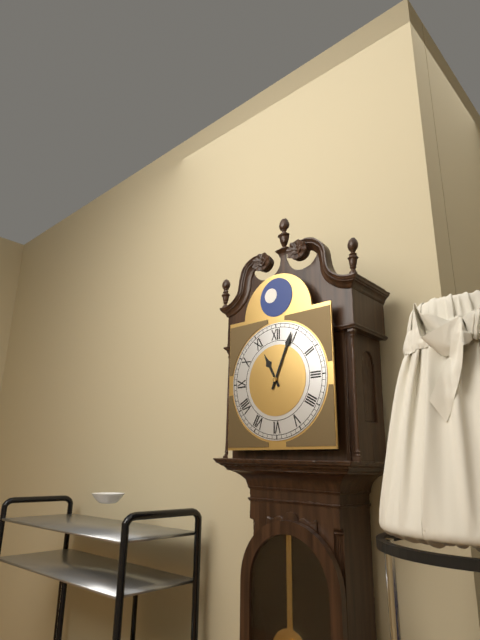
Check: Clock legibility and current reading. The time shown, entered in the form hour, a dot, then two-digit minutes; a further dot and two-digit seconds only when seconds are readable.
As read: 11.04
